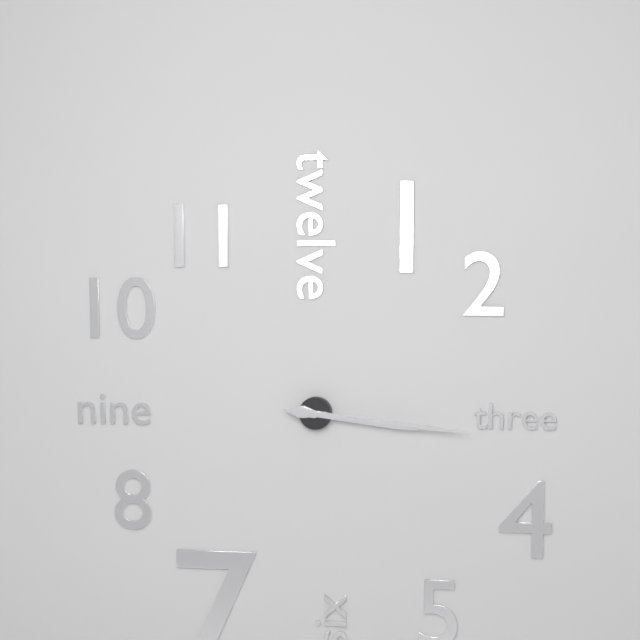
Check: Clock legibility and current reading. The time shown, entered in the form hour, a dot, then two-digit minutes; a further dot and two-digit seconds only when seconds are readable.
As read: 3.16
